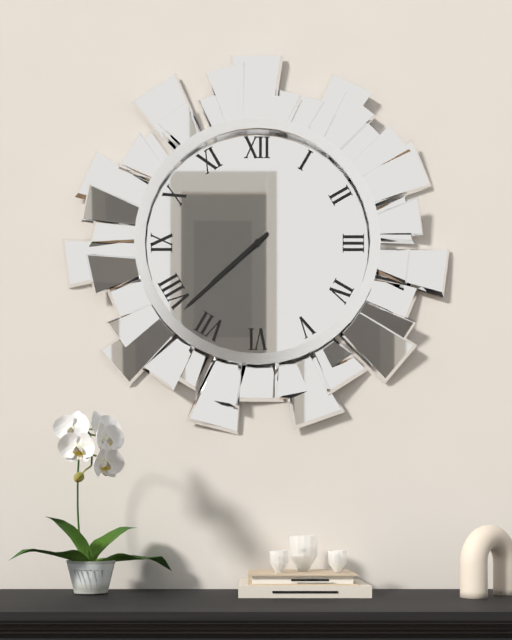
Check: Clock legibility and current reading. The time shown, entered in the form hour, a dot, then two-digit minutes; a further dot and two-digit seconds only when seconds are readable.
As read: 7.38
